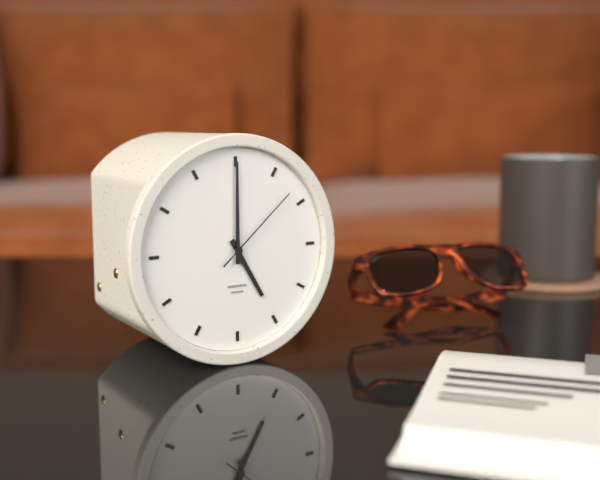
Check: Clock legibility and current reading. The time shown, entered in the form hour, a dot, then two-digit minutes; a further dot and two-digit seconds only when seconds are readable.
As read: 5.00.08
